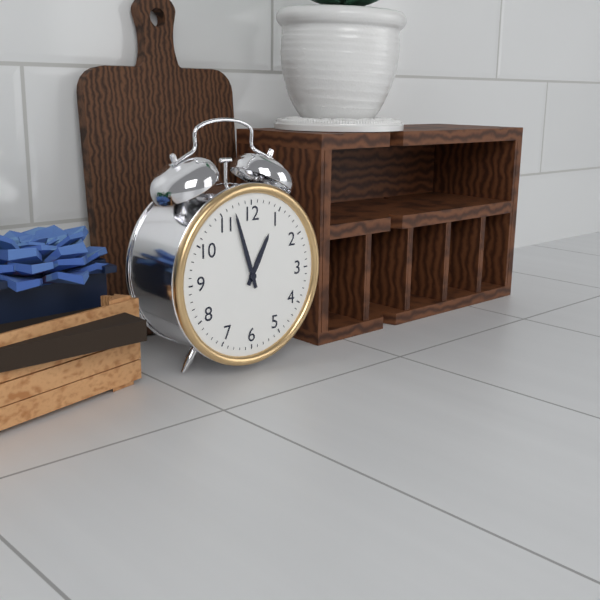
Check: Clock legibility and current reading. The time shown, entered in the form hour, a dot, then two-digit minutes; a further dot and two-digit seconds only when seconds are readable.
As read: 12.57
